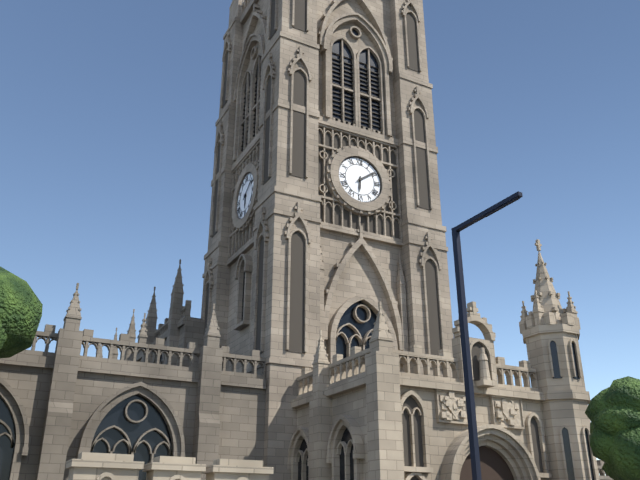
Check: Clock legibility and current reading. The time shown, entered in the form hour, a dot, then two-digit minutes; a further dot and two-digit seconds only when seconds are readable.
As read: 6.09
